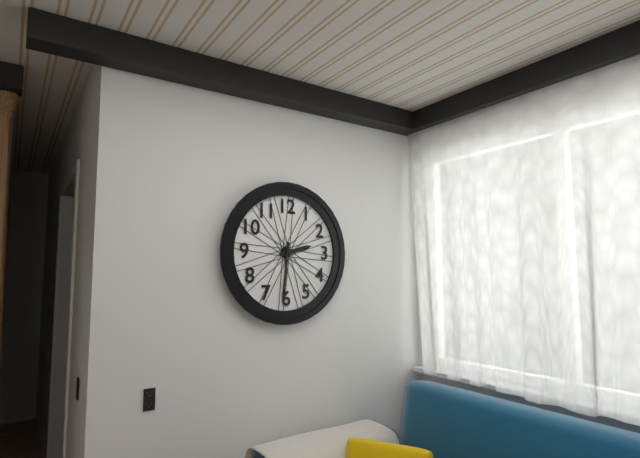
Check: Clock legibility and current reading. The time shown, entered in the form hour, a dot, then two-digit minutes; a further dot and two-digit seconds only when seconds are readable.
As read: 2.31
